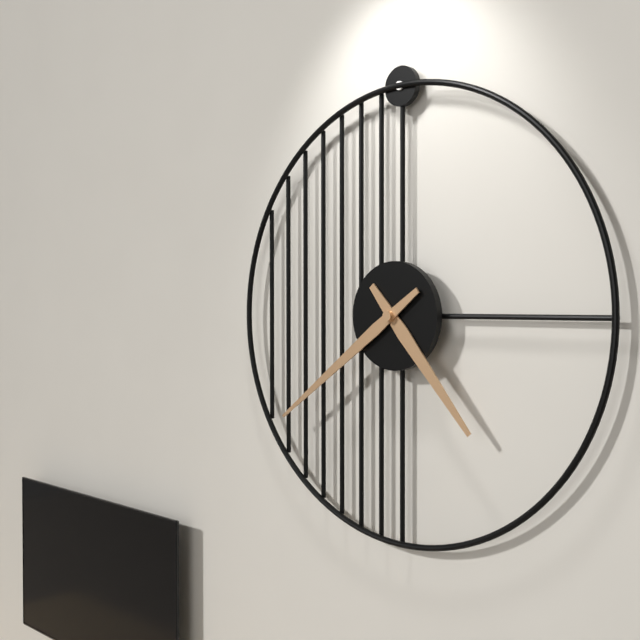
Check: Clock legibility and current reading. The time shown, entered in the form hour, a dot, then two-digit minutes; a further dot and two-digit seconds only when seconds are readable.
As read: 4.39
